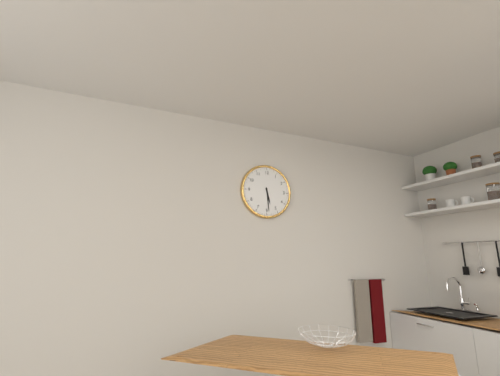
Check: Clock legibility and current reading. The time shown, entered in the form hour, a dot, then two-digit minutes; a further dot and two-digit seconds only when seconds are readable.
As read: 5.29
